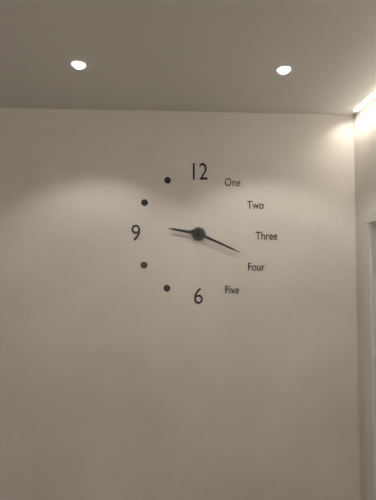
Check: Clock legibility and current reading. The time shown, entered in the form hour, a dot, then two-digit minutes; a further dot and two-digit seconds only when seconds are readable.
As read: 9.19
